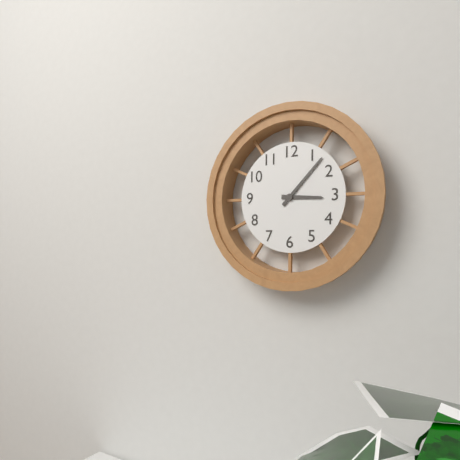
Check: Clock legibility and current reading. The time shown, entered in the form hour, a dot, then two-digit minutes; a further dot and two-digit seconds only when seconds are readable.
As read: 3.07
